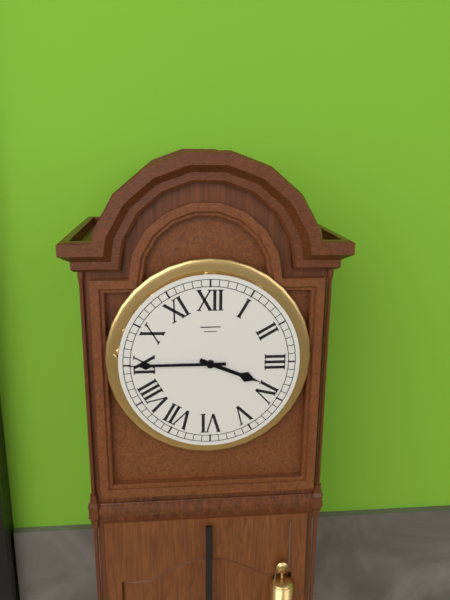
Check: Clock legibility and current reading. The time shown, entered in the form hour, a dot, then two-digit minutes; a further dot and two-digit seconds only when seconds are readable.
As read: 3.45
